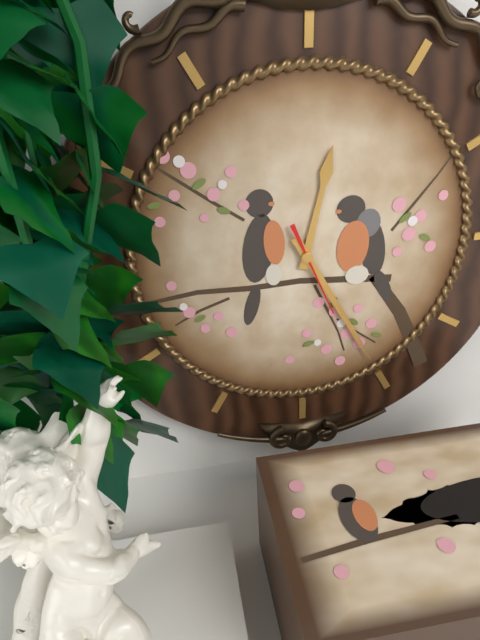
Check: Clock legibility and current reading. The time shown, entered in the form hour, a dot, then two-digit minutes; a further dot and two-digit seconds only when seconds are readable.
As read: 12.25.26
